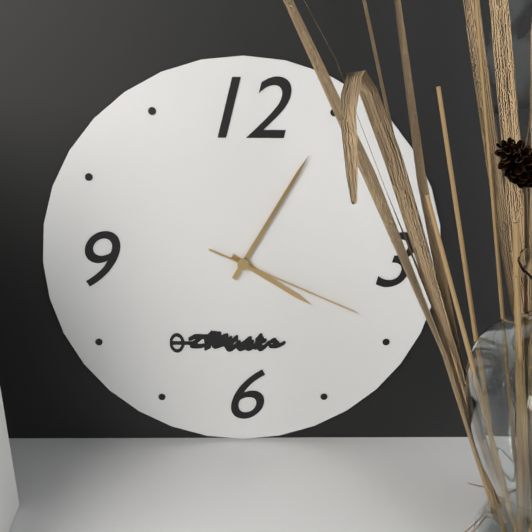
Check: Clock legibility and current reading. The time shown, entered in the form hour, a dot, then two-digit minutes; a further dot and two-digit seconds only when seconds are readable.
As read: 4.05.19
